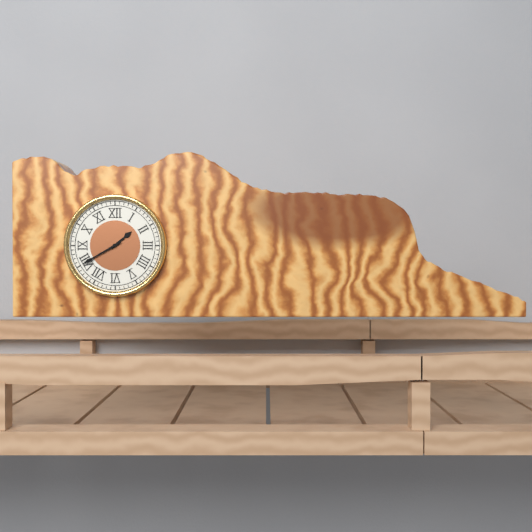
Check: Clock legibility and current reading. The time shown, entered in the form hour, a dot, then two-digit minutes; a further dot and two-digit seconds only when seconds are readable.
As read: 1.40
